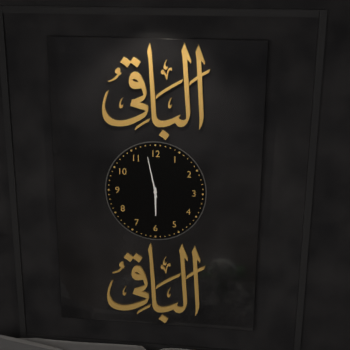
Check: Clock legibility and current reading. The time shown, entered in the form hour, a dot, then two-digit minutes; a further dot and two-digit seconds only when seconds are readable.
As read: 5.58
